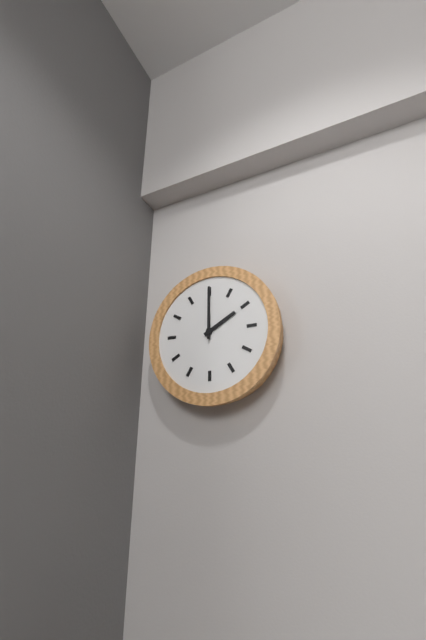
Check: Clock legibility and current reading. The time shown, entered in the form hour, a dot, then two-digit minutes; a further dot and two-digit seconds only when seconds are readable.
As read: 2.00
